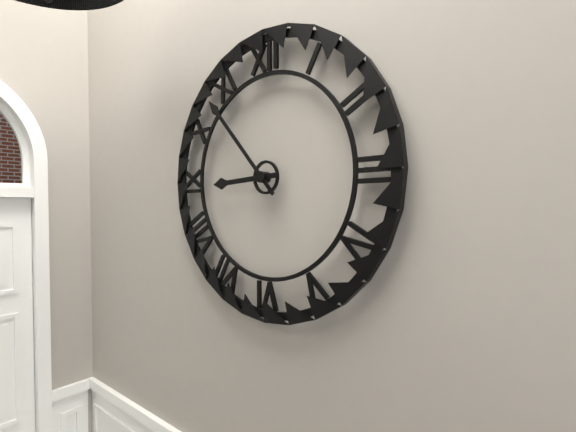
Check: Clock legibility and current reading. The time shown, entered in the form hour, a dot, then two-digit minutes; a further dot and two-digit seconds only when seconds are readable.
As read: 8.53
